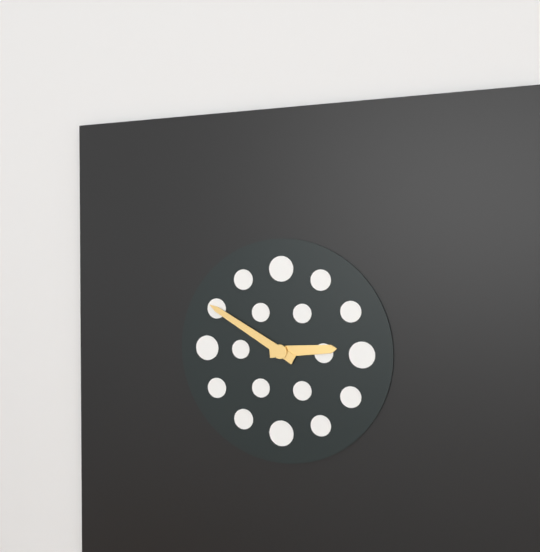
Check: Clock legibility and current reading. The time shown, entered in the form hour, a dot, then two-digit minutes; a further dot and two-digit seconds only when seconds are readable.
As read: 2.50
